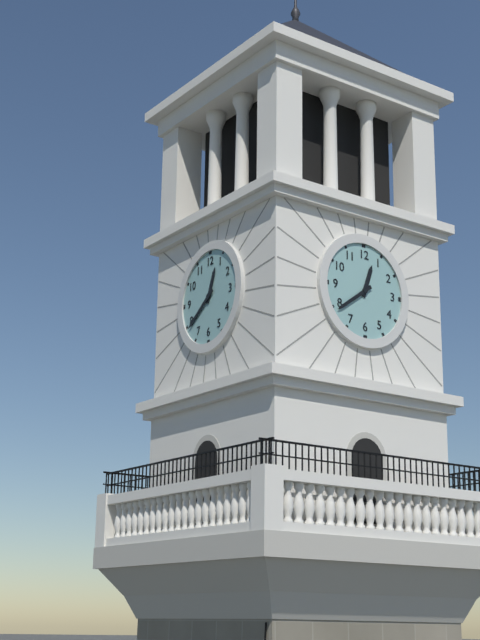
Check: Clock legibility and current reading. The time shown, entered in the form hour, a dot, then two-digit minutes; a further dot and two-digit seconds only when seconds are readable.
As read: 12.39
